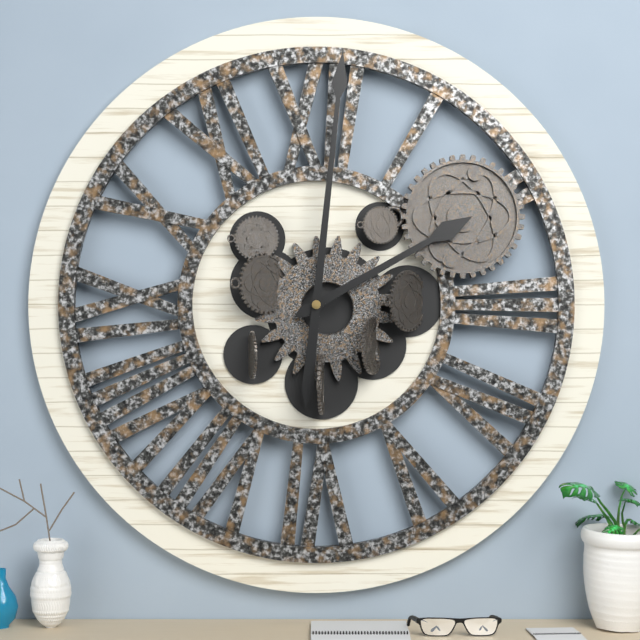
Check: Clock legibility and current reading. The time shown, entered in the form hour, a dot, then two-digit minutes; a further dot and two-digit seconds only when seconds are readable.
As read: 2.01
